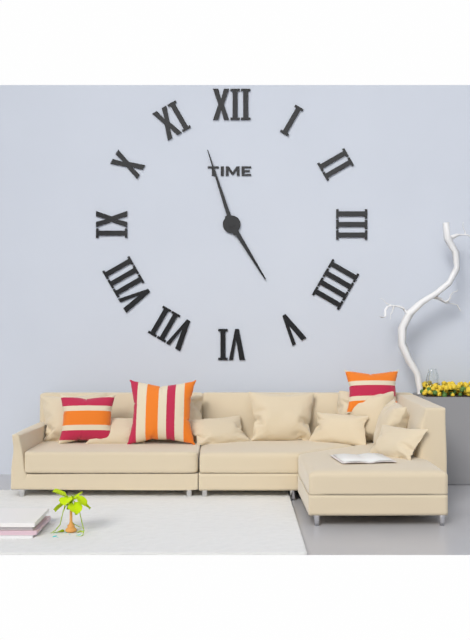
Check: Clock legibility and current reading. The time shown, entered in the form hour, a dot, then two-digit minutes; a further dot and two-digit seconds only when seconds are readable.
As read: 4.57
